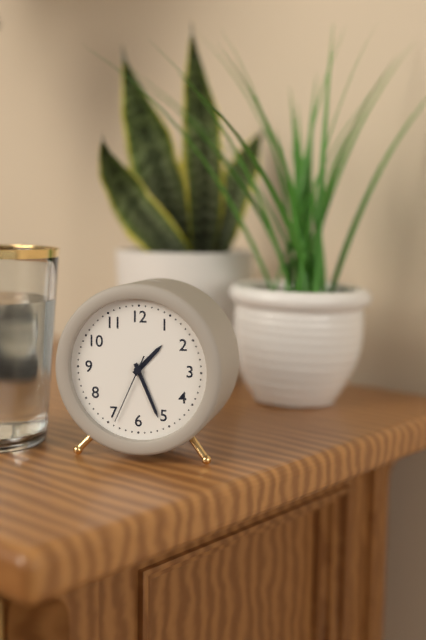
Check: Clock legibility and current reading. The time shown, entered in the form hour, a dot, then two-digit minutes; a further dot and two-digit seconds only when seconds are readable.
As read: 1.26.34
